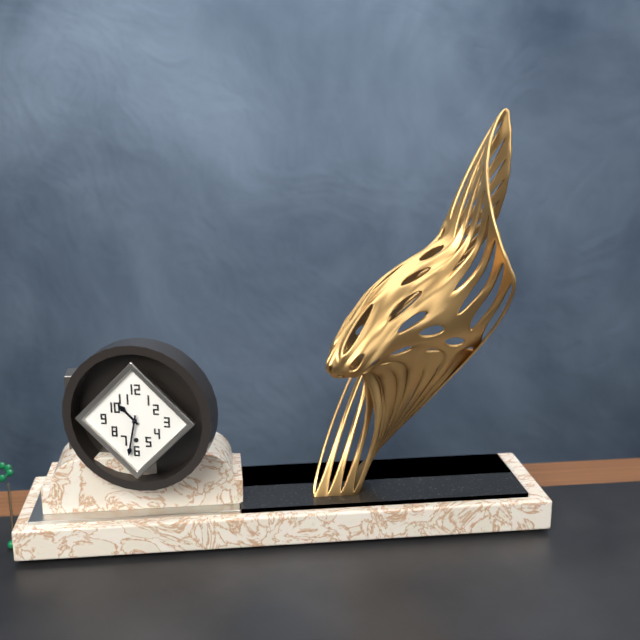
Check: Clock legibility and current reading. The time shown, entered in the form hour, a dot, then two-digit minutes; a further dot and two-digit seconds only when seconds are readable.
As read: 10.32
